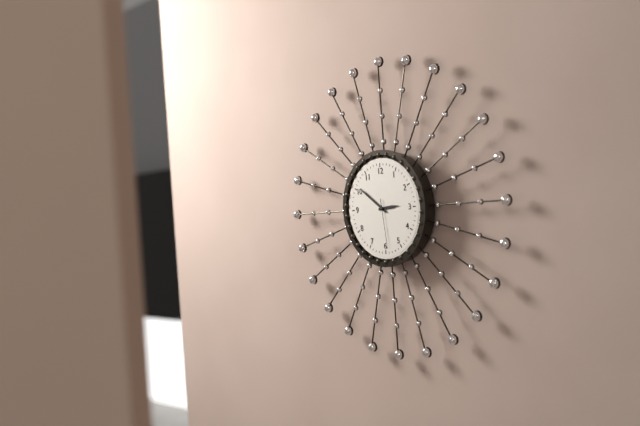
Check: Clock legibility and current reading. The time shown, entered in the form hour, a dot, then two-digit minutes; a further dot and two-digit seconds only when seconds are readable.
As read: 2.51.29
